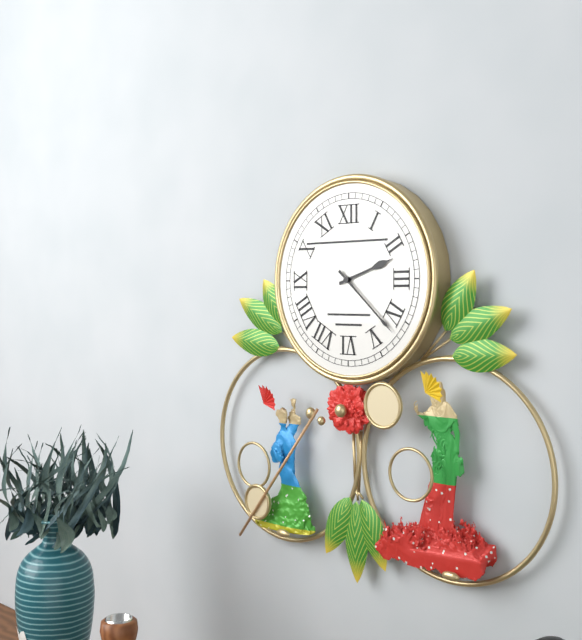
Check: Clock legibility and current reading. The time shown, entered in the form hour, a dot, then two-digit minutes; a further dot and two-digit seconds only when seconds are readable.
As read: 2.22
